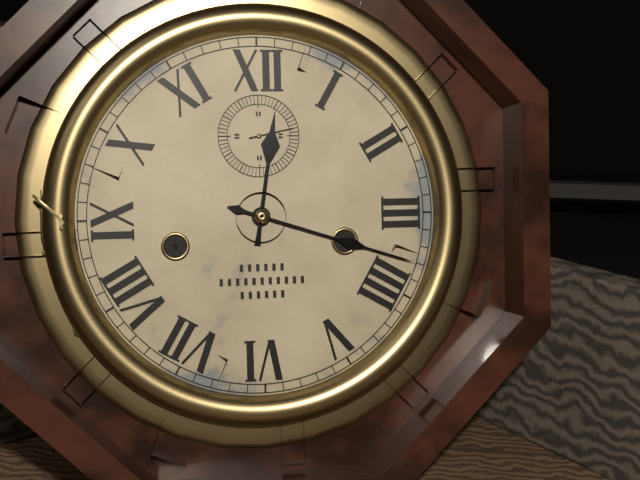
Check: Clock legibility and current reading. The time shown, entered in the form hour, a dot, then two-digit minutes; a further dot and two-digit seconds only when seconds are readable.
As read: 12.18
